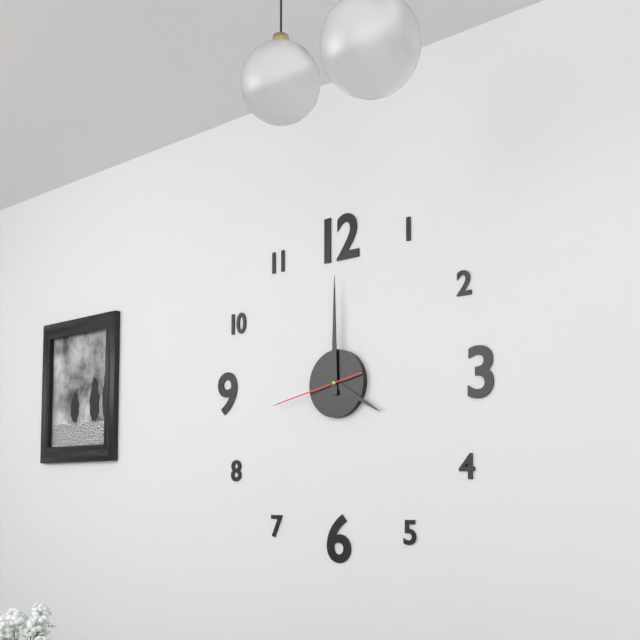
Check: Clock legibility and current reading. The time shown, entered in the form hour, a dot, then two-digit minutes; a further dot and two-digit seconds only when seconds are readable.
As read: 4.00.43
